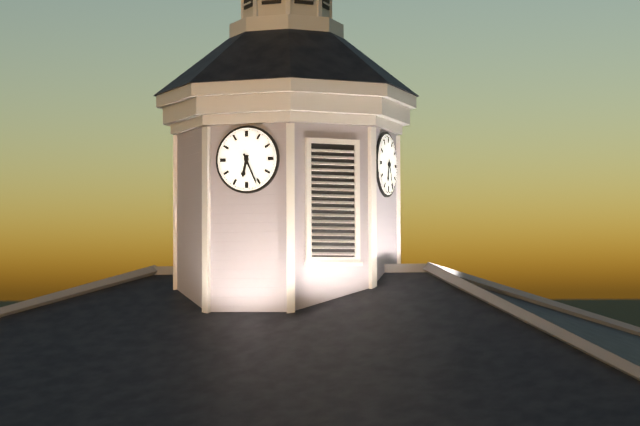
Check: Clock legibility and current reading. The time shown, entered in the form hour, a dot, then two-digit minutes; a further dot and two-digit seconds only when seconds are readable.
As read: 6.26
